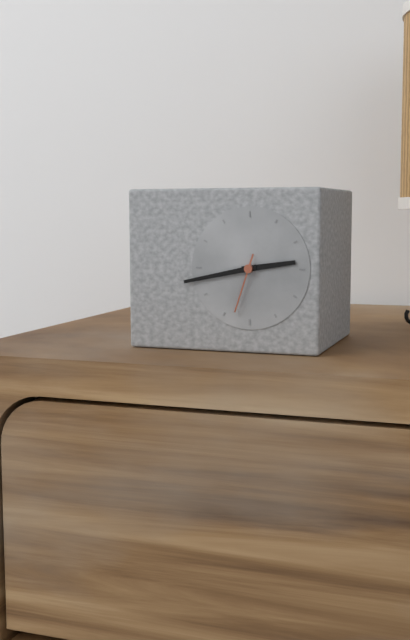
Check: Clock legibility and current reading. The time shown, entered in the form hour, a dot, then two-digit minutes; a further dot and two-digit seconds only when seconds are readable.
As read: 2.43.33
